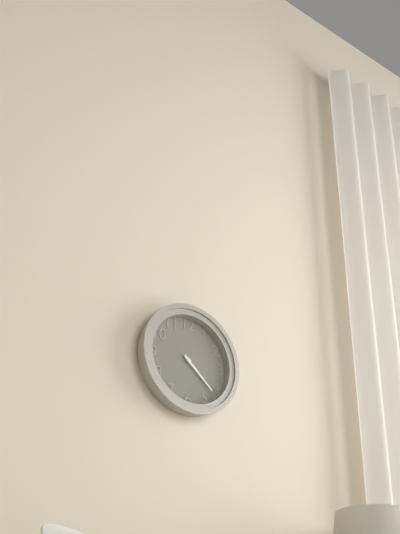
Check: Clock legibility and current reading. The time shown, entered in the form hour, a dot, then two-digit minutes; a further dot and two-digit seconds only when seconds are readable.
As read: 4.22
